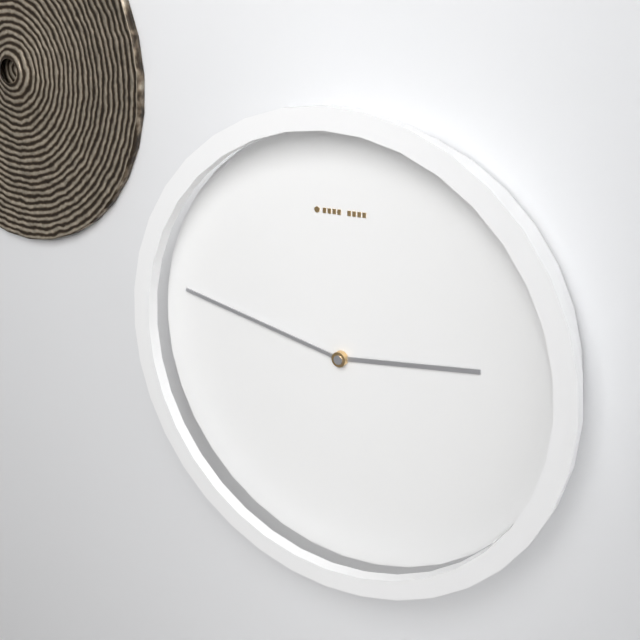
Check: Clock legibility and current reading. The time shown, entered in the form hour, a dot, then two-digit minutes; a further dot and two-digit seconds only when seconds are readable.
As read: 2.47
